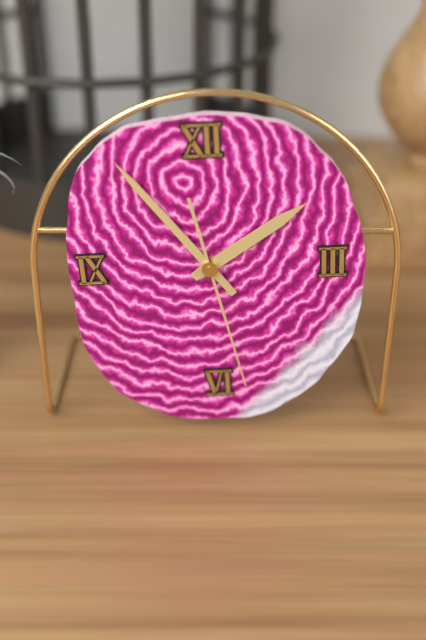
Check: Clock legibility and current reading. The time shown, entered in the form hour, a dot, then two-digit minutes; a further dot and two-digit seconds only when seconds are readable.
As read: 1.54.28
